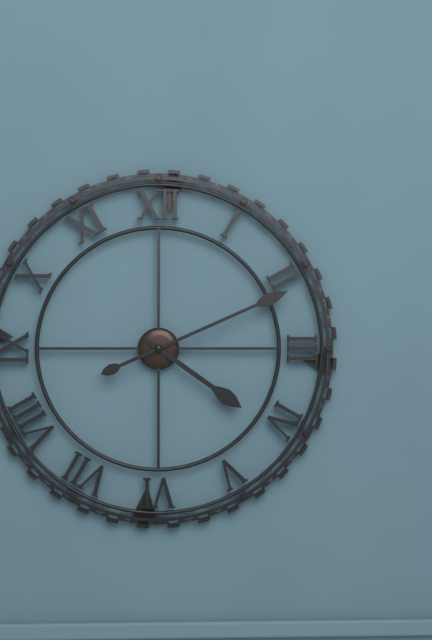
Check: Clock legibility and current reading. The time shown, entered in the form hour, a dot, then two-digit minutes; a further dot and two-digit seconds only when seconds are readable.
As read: 4.11
